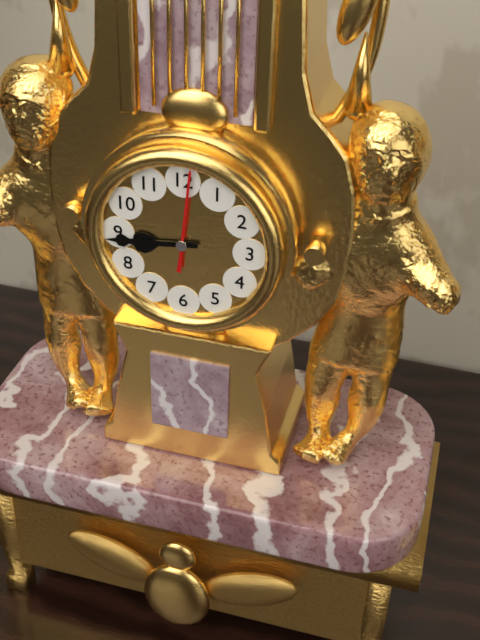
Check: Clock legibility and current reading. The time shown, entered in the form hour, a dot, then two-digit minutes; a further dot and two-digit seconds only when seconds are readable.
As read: 8.44.01
